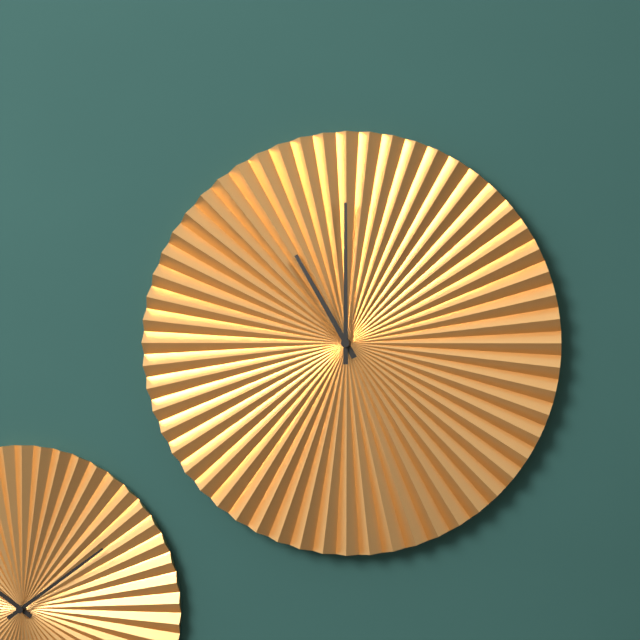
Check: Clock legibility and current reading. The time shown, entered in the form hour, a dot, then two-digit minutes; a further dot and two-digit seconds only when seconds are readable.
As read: 11.00
